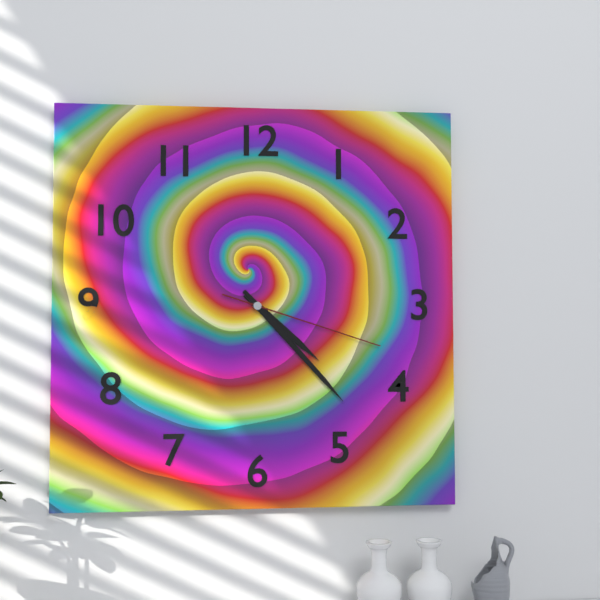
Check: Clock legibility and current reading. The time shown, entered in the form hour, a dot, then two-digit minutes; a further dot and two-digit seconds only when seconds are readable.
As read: 4.23.18
